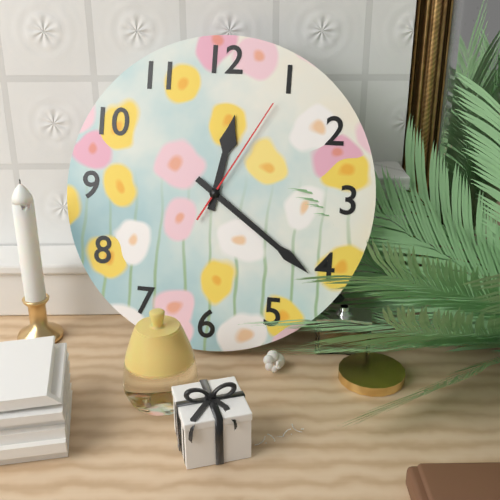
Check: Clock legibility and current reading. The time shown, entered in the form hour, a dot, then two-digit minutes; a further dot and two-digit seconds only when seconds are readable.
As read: 12.21.05
